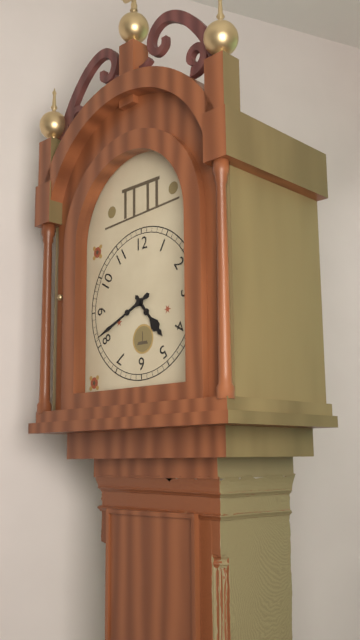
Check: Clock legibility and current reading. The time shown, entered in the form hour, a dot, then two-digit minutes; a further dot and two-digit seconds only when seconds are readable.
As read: 4.41
